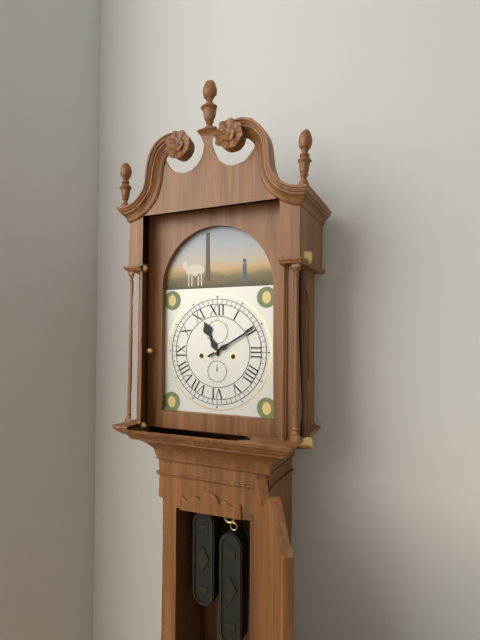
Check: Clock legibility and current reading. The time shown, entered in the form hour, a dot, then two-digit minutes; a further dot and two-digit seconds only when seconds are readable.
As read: 11.10
